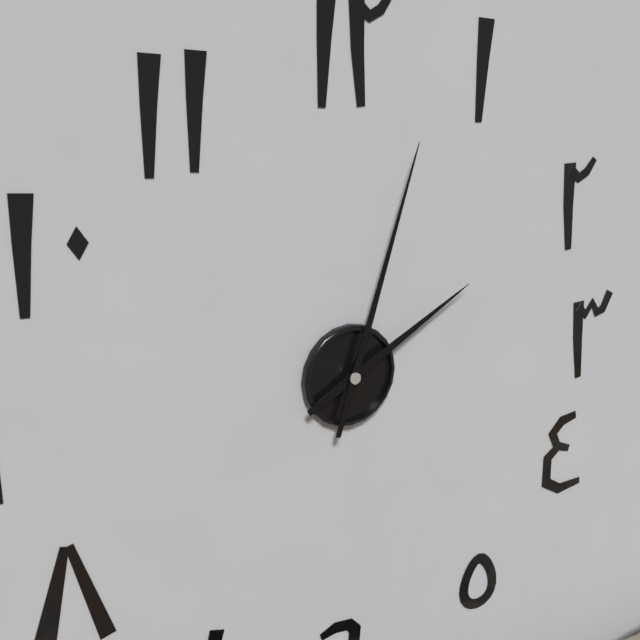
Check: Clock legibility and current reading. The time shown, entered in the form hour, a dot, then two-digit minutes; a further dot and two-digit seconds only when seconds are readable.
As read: 2.03
